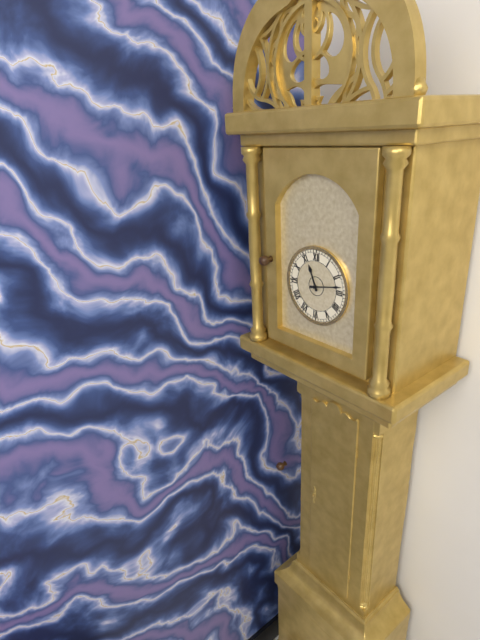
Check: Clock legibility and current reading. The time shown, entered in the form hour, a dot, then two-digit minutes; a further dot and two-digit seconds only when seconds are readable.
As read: 11.13
